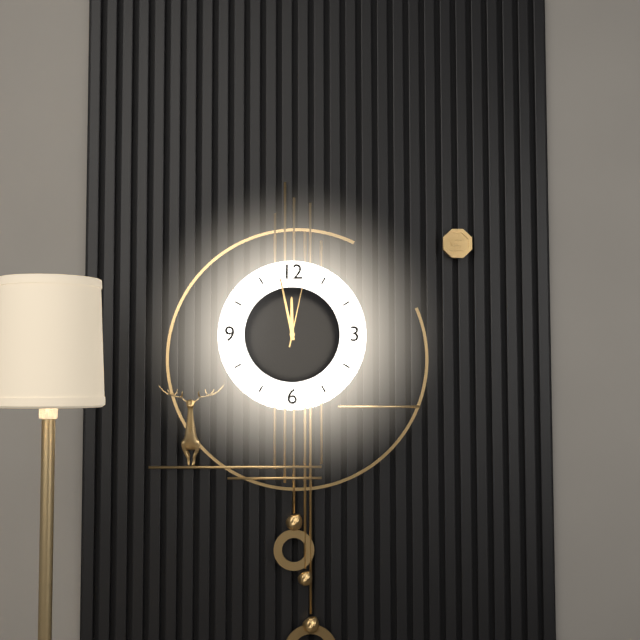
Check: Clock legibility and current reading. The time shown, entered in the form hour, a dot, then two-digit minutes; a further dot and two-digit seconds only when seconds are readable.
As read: 11.58.02
